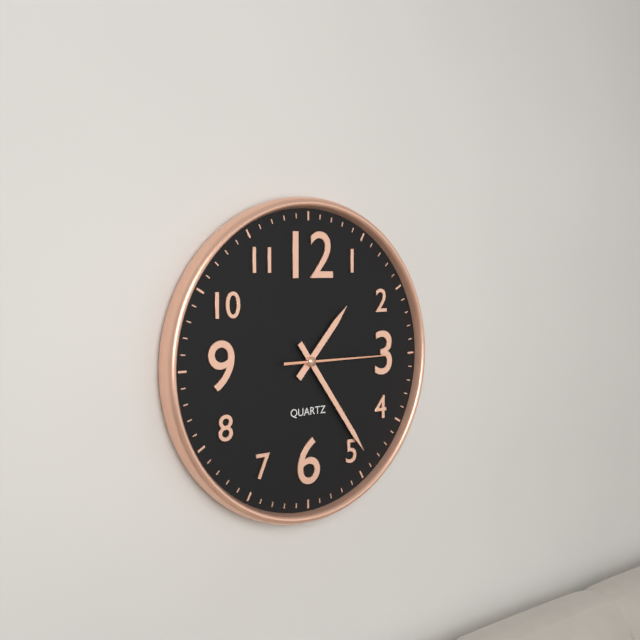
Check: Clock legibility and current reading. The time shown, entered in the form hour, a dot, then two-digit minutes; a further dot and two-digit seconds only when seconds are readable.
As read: 1.24.15
